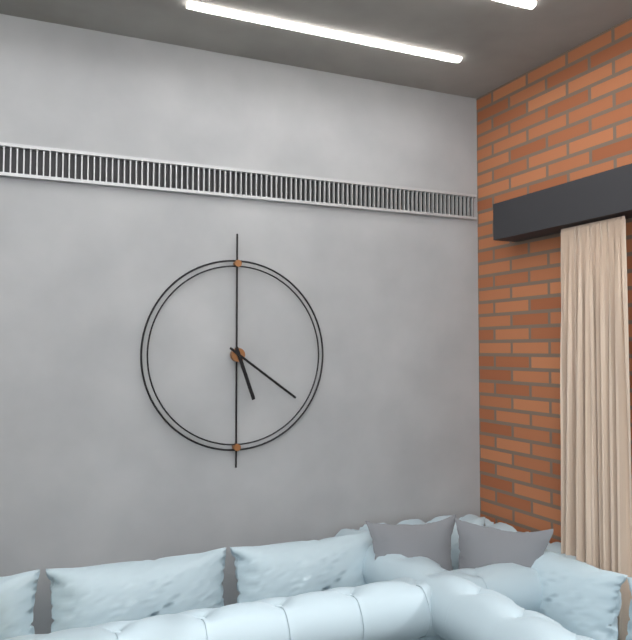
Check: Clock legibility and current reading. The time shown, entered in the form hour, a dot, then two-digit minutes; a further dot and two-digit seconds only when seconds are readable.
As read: 5.21
